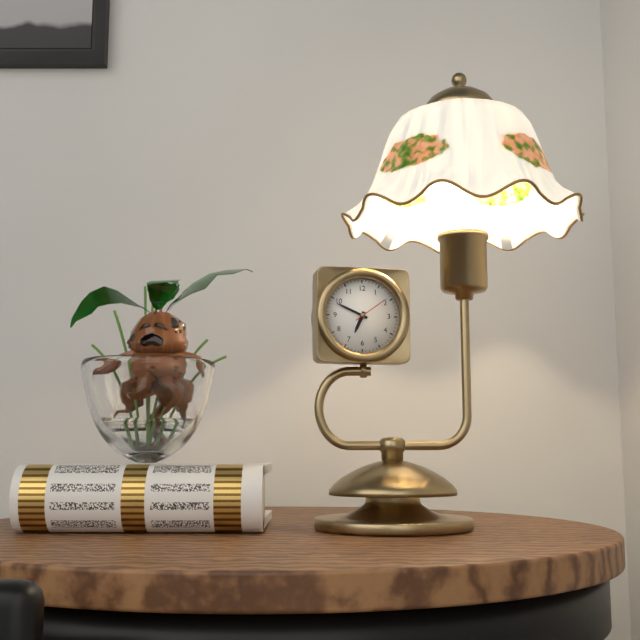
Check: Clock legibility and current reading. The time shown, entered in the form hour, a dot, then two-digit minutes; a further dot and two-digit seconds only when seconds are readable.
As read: 6.49
